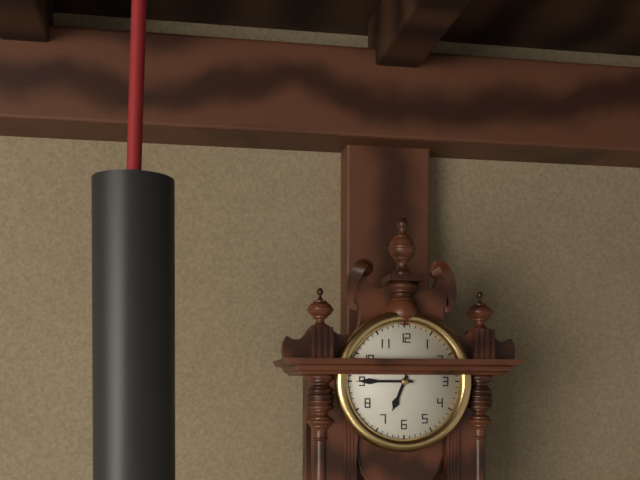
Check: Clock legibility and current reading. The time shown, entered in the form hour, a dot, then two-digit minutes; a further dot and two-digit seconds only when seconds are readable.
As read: 6.45
